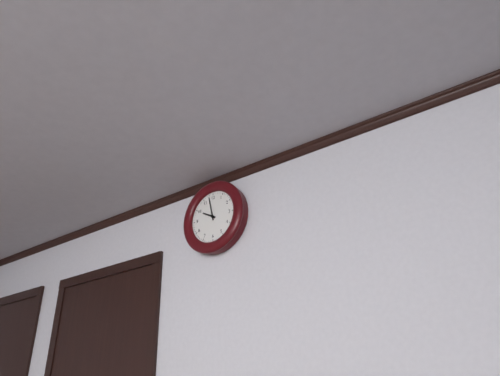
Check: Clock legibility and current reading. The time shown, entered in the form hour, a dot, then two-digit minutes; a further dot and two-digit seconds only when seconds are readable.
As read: 9.58
